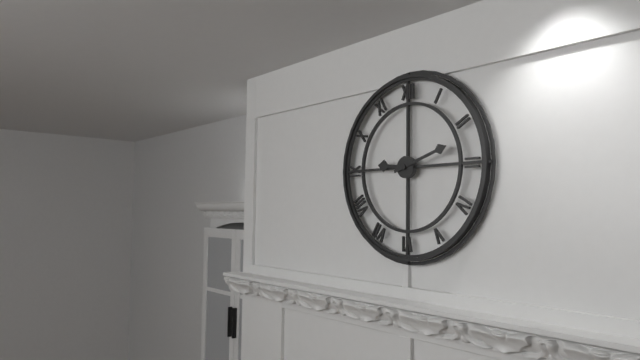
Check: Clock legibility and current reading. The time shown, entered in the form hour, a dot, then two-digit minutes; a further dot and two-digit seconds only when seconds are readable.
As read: 9.12
